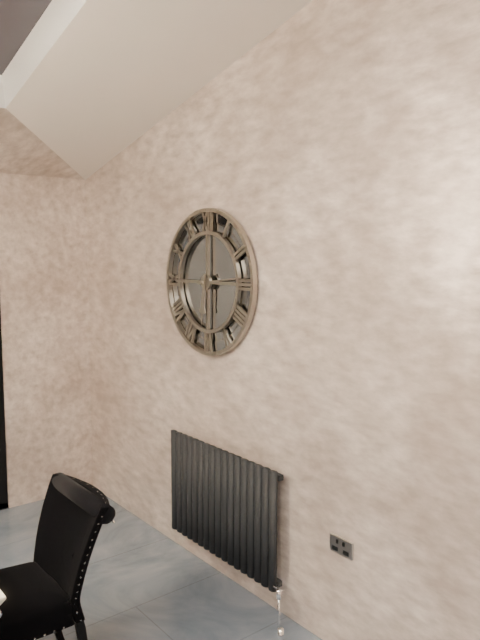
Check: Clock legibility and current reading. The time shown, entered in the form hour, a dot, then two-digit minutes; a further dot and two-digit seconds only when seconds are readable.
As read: 6.14
